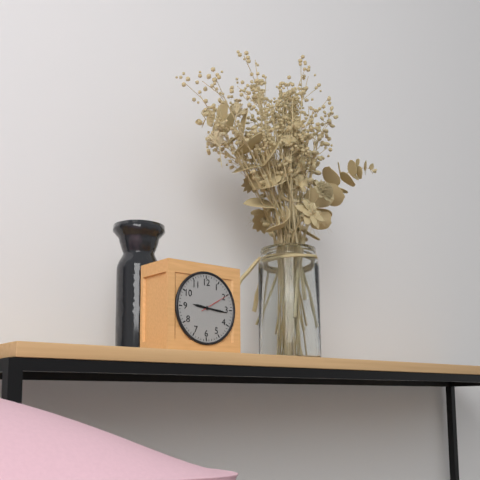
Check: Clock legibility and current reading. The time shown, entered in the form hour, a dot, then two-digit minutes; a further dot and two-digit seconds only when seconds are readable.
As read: 9.16
